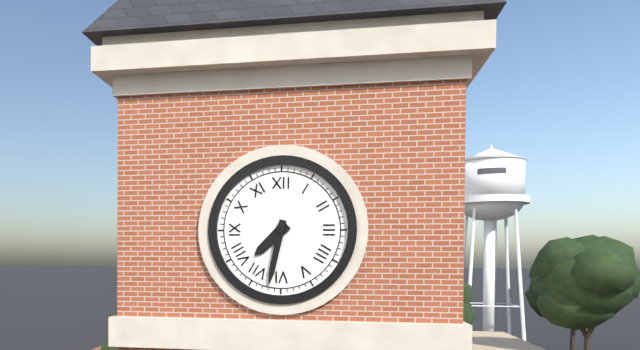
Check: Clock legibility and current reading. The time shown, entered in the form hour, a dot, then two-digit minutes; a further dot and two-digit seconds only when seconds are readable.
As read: 7.32
